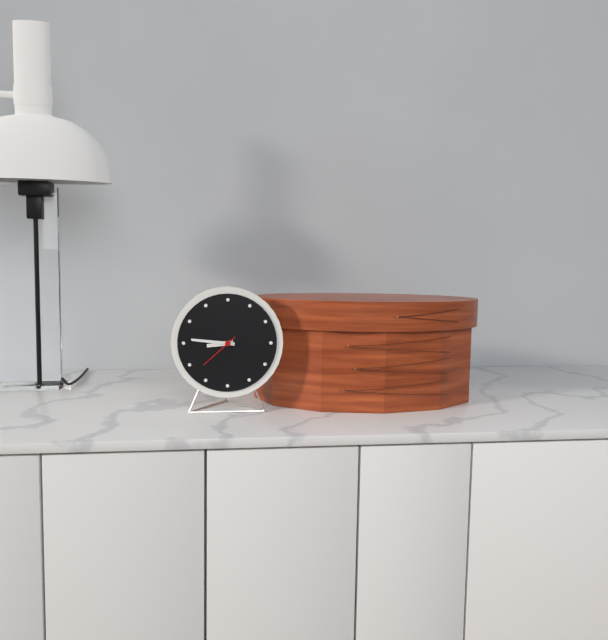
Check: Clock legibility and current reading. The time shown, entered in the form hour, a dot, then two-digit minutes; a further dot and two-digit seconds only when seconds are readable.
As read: 8.46
